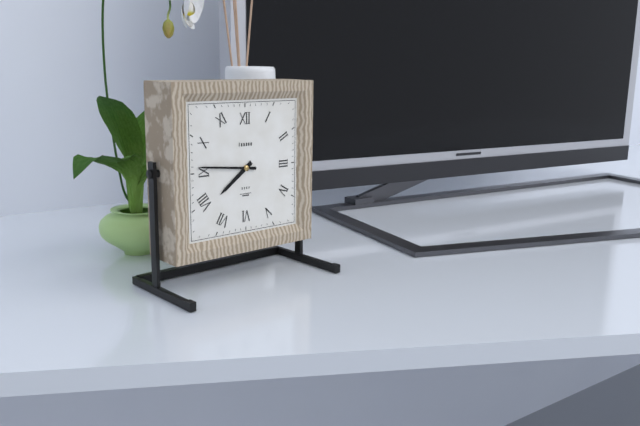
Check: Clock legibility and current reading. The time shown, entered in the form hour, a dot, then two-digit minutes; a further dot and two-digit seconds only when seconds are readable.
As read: 7.46
